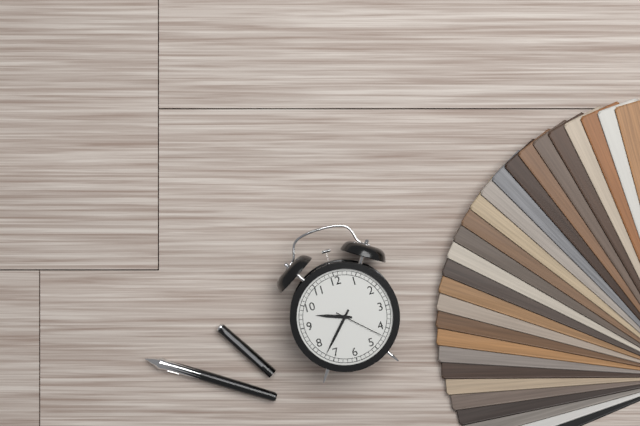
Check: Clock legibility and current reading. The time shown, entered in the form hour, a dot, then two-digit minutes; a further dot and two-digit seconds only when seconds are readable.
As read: 9.37.22
